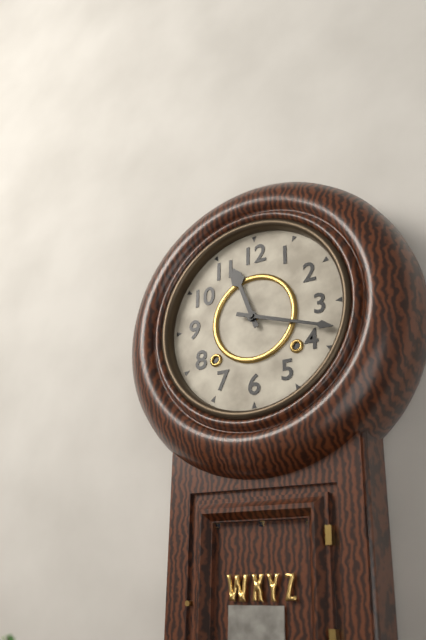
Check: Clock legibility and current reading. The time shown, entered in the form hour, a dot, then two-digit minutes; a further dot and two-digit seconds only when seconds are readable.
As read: 11.18
